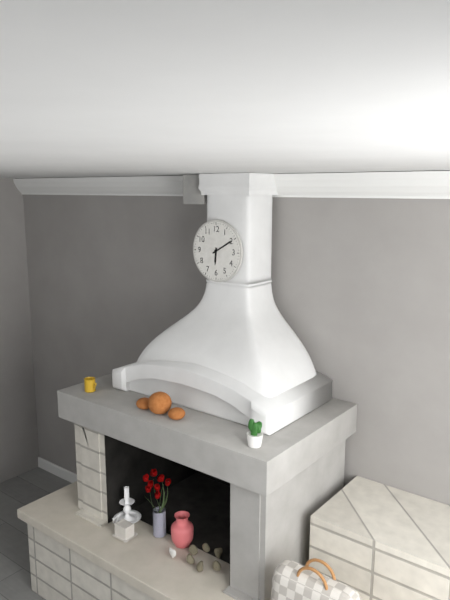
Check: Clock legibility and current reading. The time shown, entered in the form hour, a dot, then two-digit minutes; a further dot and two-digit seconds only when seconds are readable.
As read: 6.10
